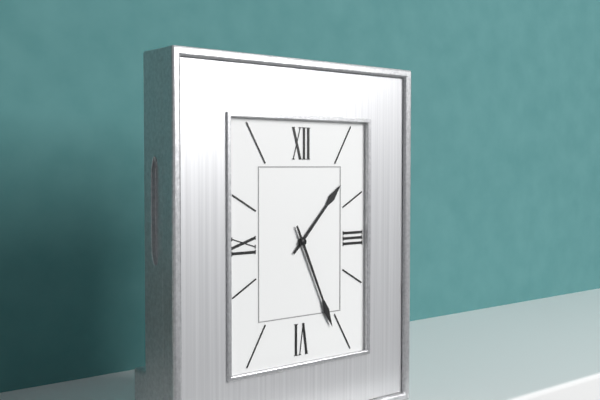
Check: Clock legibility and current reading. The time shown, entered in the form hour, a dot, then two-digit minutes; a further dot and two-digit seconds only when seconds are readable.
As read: 1.26
